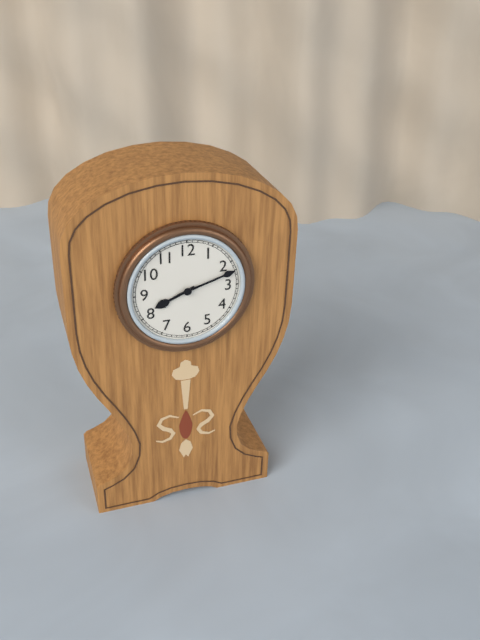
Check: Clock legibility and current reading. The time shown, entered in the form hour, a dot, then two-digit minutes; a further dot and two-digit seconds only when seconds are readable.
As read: 8.12
